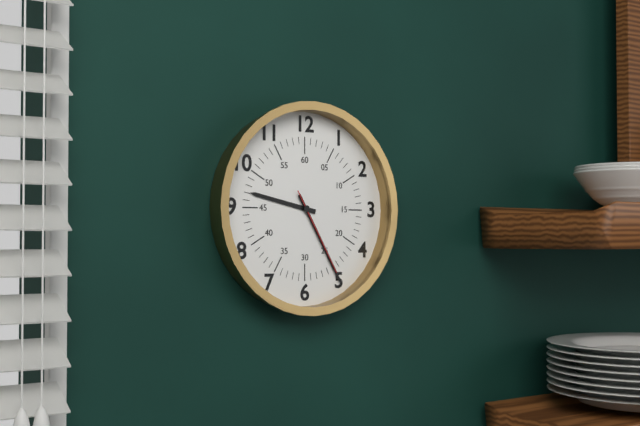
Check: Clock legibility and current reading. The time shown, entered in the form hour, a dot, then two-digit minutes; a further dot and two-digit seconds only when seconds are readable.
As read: 9.25.25
